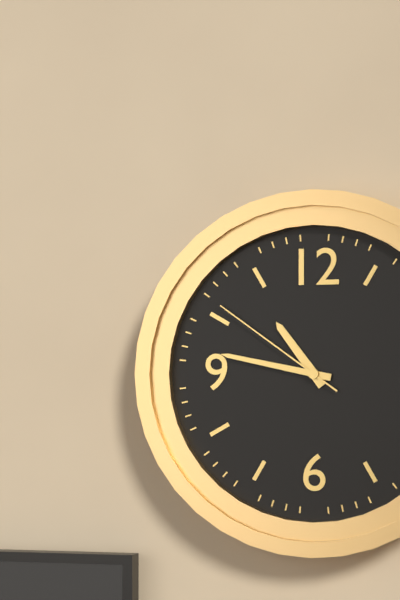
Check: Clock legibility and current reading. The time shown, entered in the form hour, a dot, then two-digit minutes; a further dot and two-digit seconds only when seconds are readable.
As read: 10.47.51
